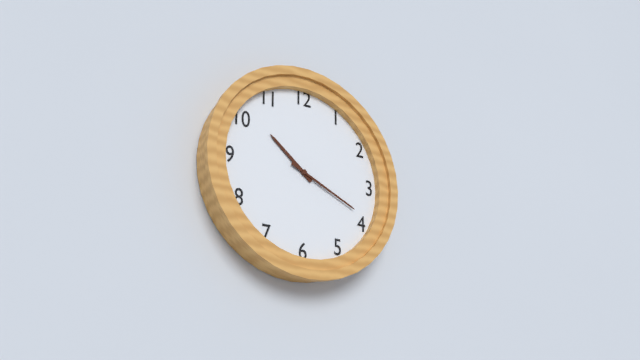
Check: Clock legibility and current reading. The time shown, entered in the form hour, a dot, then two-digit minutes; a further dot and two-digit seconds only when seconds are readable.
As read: 10.19
